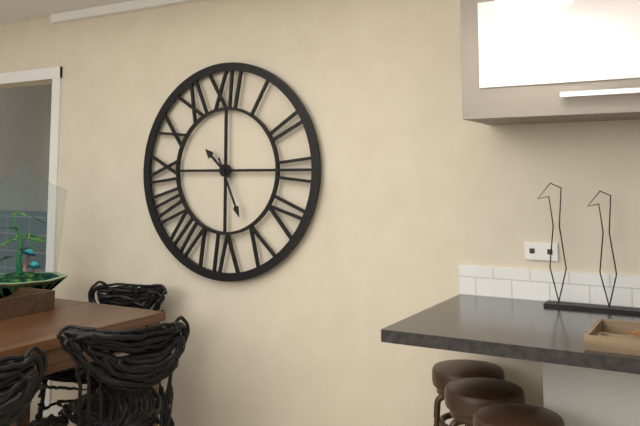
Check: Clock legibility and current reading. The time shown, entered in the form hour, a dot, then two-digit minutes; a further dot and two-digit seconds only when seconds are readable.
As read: 10.26
